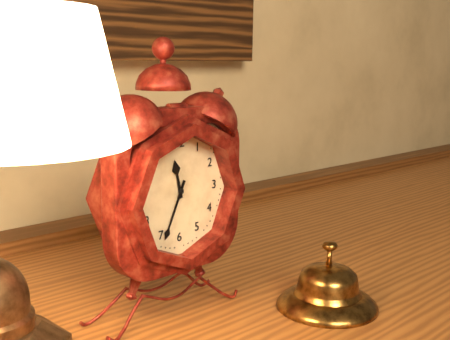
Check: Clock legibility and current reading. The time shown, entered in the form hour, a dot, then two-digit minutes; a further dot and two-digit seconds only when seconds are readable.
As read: 11.34
